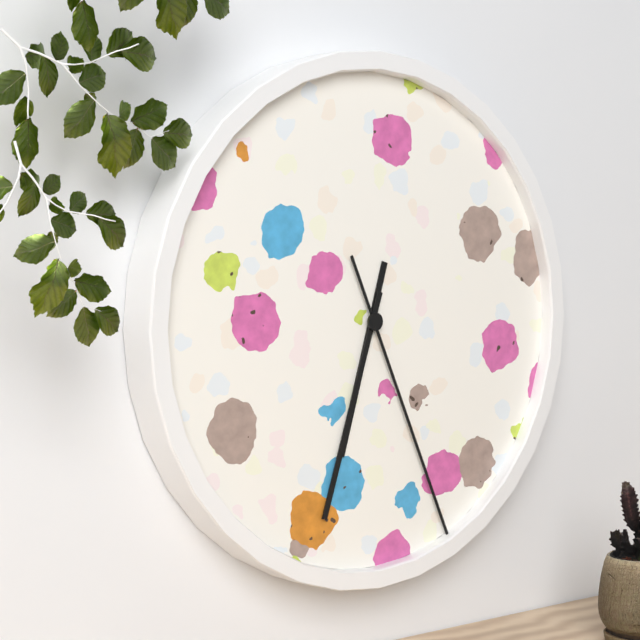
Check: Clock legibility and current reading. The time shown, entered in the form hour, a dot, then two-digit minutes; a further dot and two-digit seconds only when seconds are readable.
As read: 6.33.26
